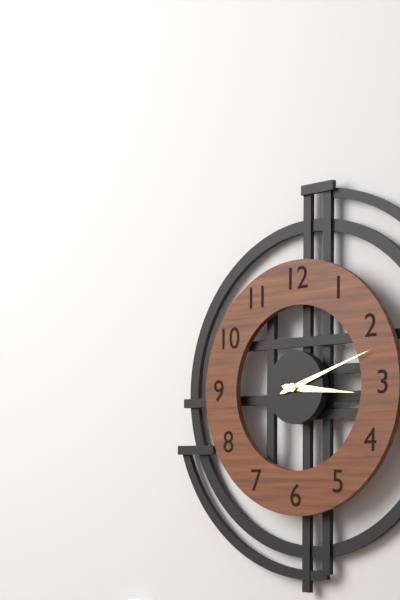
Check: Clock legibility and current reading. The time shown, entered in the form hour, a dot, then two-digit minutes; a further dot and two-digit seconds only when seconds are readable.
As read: 3.12
